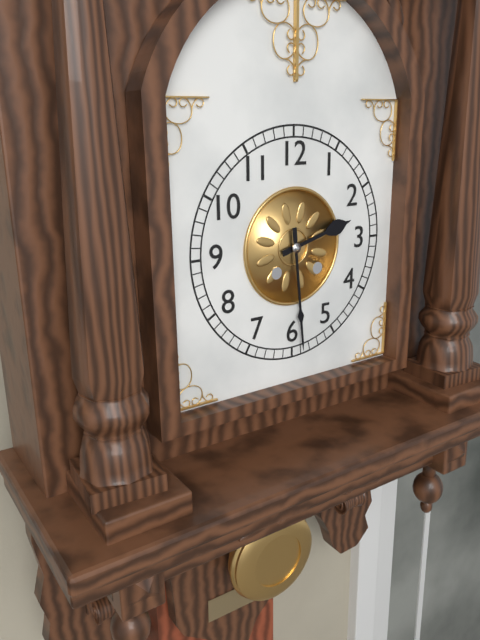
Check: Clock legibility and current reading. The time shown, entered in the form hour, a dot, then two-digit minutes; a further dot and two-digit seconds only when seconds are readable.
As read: 2.29
